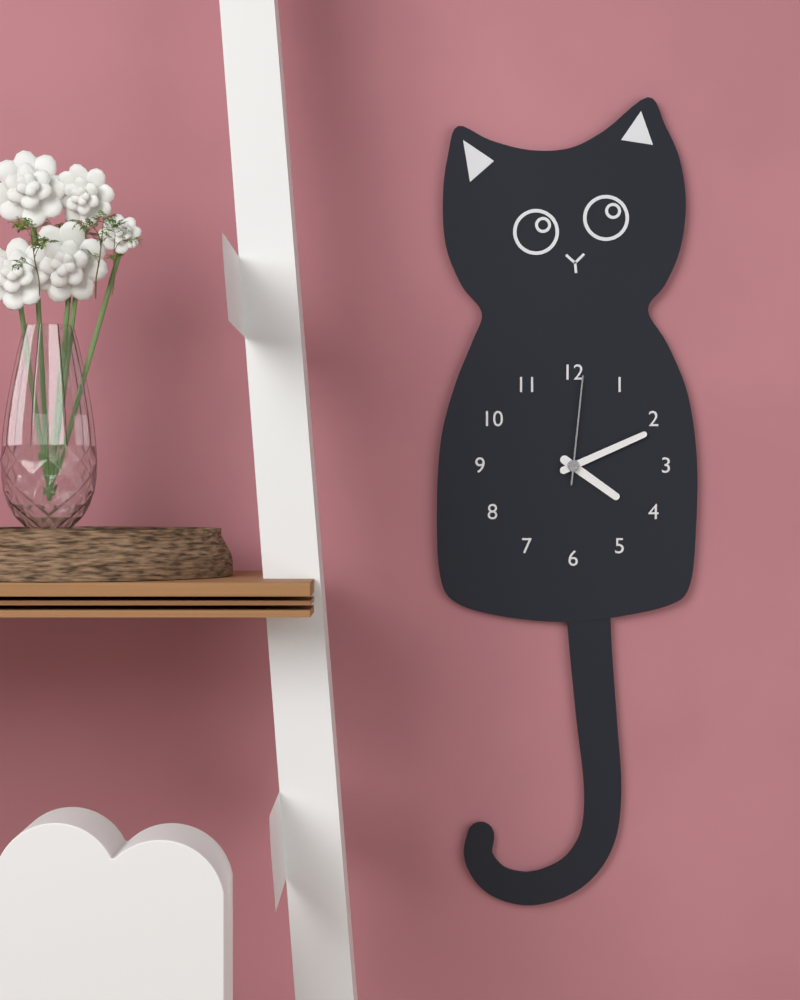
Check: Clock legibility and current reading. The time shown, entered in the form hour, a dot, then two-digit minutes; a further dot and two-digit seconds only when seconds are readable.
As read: 4.11.01
